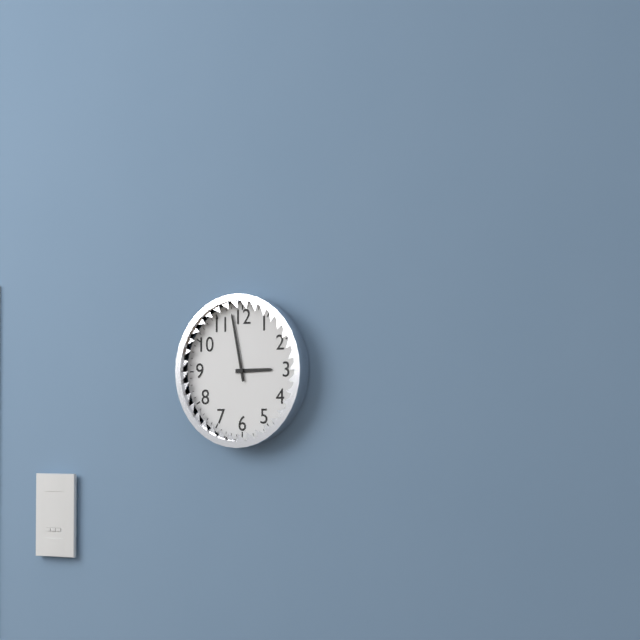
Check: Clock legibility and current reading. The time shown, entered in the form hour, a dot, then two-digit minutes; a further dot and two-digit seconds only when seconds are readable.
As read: 2.58
